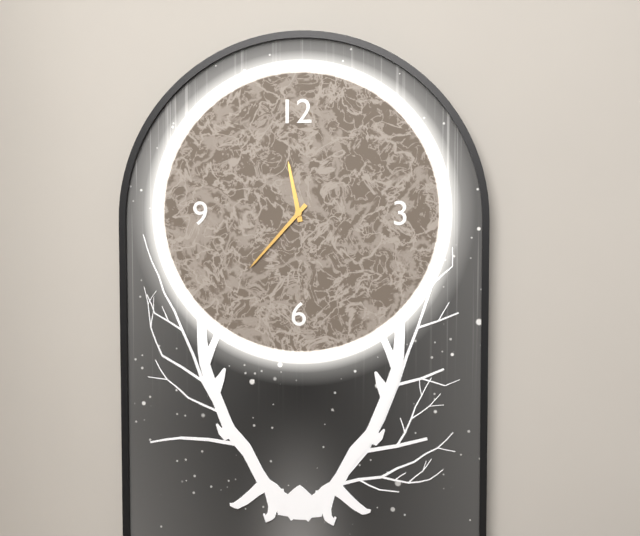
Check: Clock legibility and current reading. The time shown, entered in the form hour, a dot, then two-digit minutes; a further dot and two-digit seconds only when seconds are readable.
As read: 11.37
